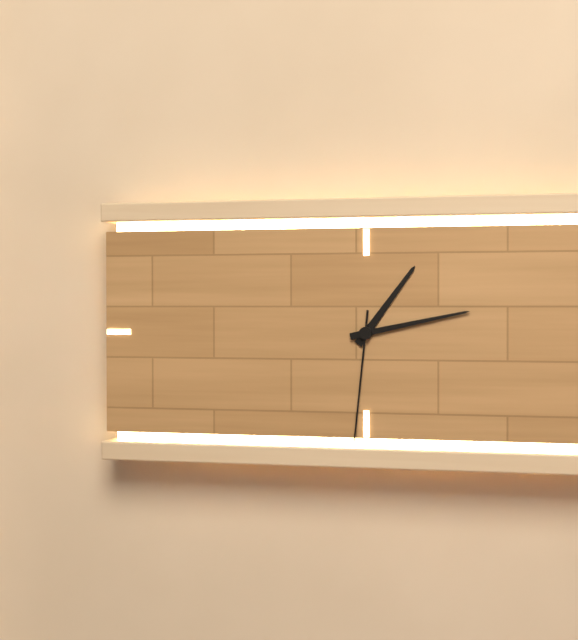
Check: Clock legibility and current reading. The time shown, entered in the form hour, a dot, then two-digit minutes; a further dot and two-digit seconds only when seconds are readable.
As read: 1.13.31
